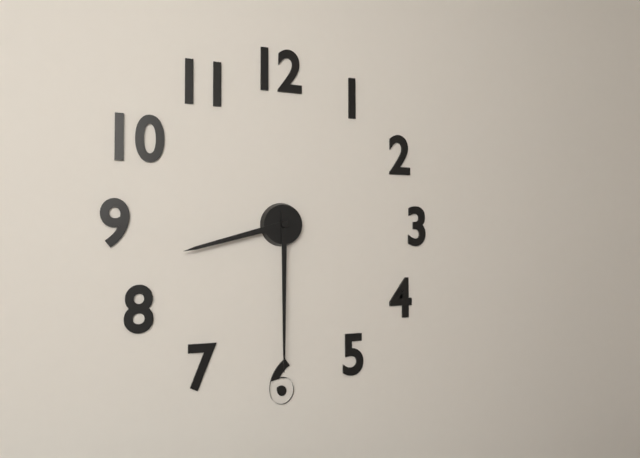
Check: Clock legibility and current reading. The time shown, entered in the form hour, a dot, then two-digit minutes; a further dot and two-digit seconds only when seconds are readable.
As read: 8.30
